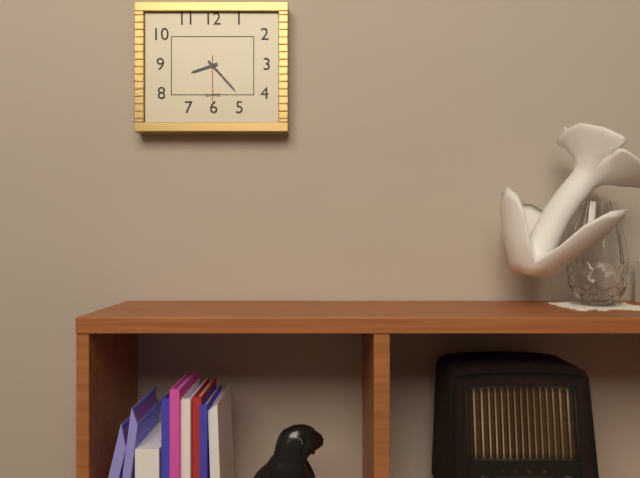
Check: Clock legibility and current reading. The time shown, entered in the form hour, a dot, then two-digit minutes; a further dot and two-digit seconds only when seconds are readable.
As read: 8.23.30
